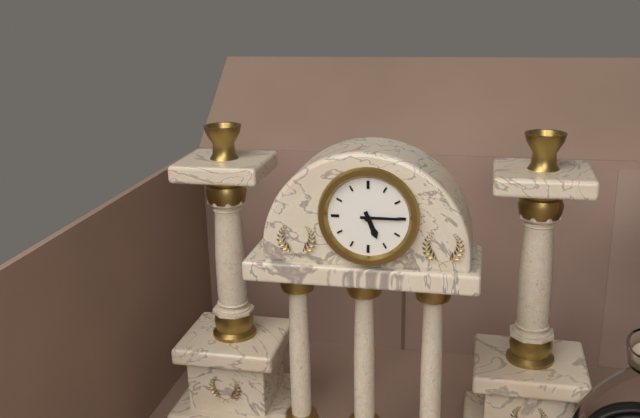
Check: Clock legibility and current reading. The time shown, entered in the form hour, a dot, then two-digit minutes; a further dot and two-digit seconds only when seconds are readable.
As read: 5.15
